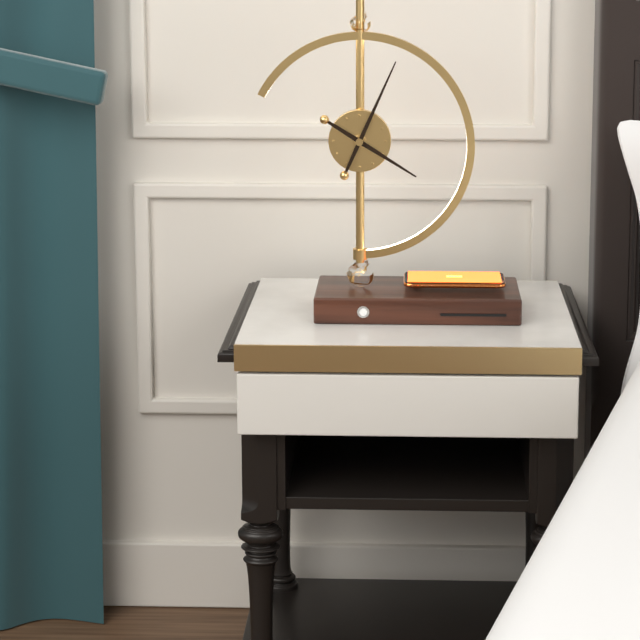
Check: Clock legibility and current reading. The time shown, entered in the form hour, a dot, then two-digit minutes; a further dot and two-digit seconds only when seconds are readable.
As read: 4.04
